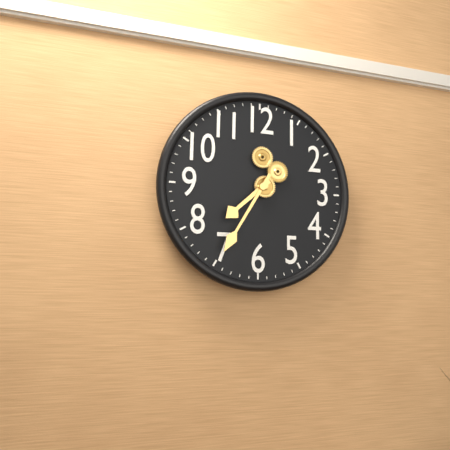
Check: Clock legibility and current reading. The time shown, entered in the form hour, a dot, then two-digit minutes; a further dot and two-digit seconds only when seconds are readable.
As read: 7.35
